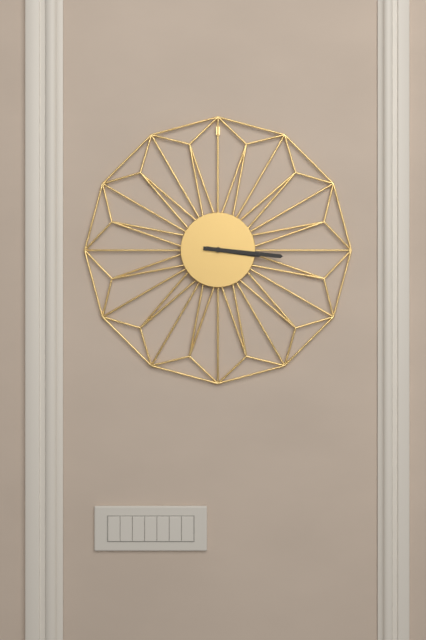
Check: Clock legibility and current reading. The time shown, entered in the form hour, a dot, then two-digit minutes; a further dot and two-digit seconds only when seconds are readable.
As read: 3.16
